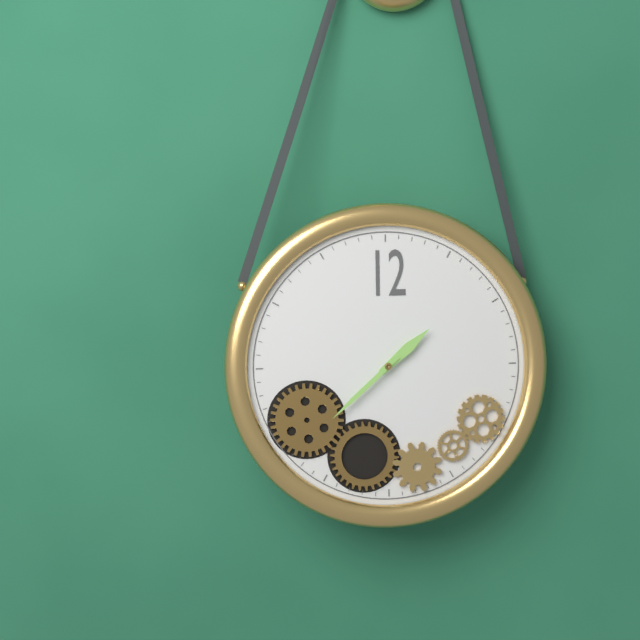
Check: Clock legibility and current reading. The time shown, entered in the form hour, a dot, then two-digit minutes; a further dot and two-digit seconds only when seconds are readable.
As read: 1.38
